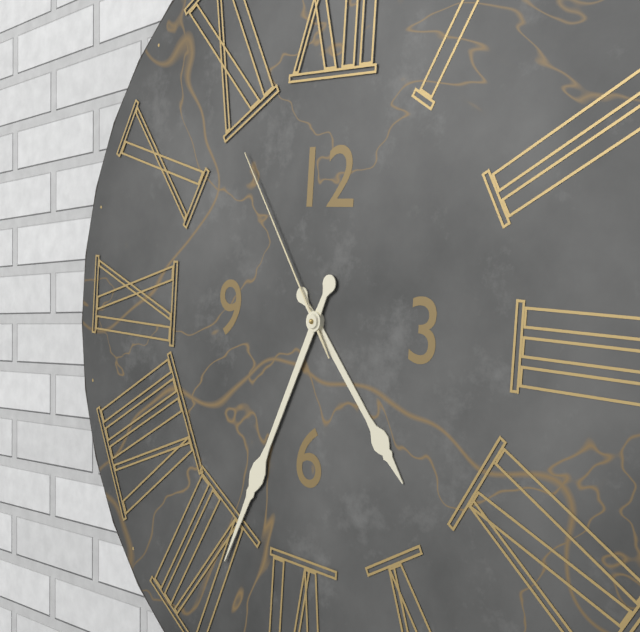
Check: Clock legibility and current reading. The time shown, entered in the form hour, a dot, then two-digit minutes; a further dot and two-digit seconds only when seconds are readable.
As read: 4.34.54
